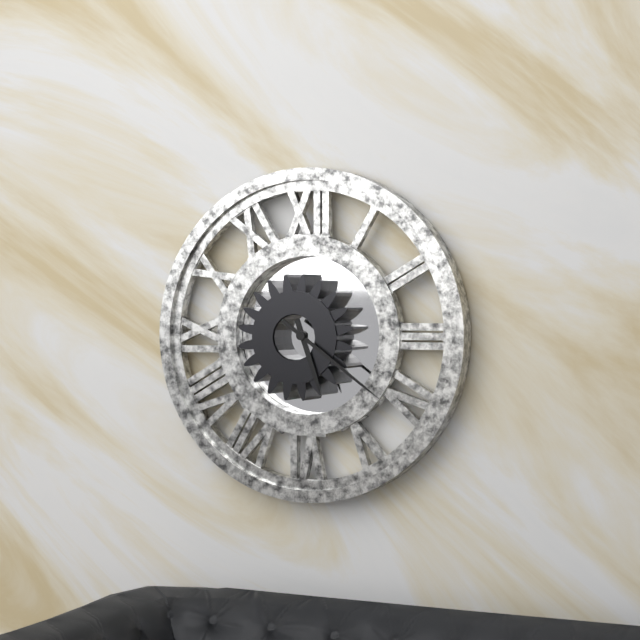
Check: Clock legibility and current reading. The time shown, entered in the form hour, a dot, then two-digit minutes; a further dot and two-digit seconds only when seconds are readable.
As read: 5.21
